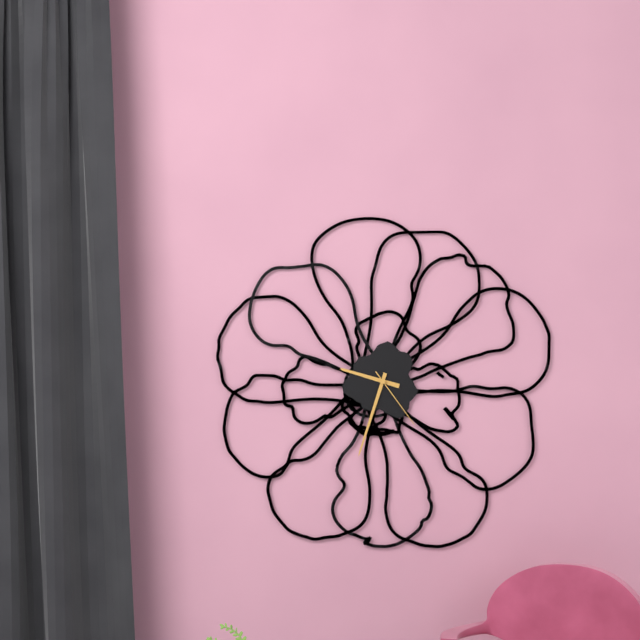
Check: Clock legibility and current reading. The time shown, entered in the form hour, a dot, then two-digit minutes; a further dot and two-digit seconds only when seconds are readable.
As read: 9.33.24
